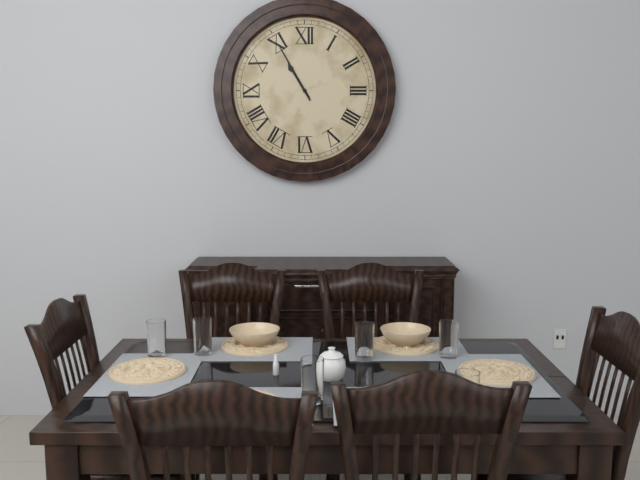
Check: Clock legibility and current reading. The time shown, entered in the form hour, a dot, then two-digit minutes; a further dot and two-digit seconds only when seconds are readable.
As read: 10.55
